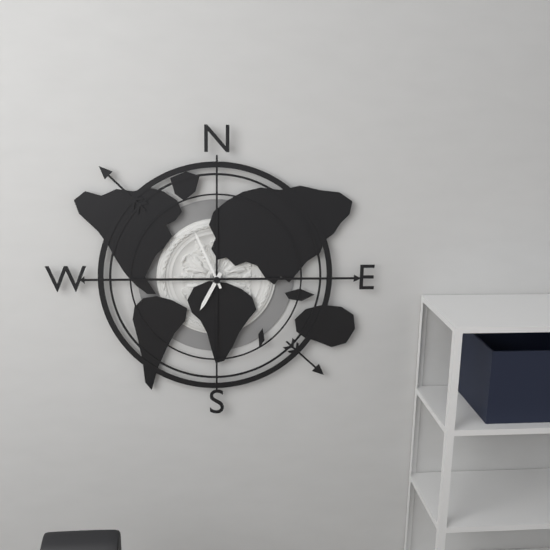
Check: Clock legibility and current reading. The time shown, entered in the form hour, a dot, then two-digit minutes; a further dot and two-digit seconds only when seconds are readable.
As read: 6.56
